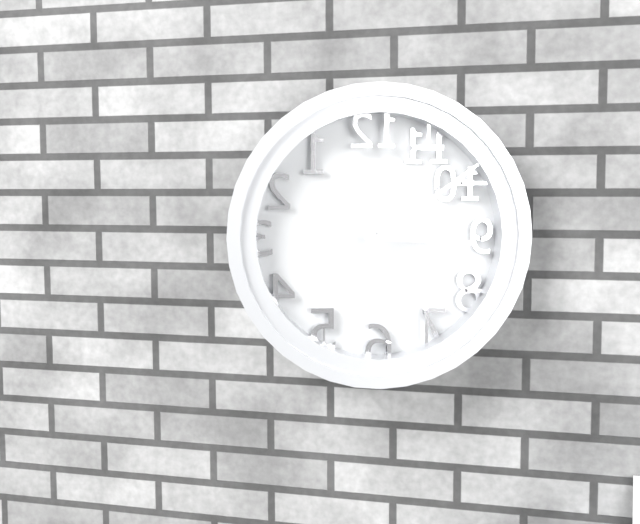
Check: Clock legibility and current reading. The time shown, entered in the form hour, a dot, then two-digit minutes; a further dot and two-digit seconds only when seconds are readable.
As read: 3.09
